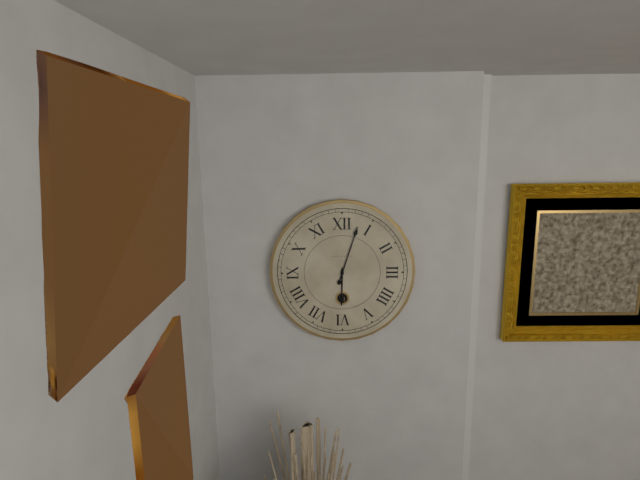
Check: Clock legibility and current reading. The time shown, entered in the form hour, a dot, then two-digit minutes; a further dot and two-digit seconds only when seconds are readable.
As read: 6.03
